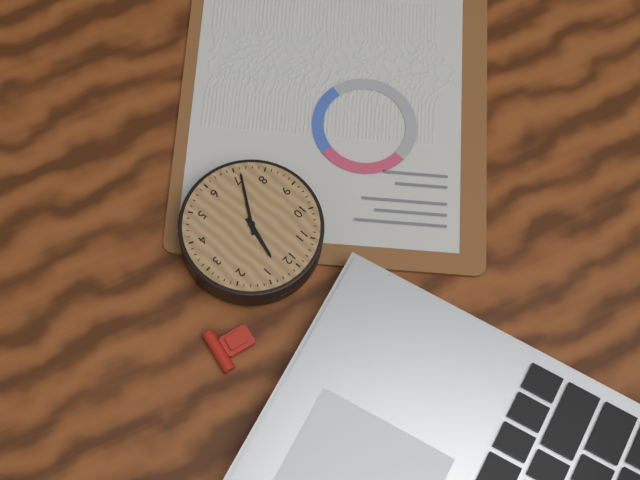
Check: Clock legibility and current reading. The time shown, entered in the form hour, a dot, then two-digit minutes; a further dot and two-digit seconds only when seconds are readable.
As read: 12.36
